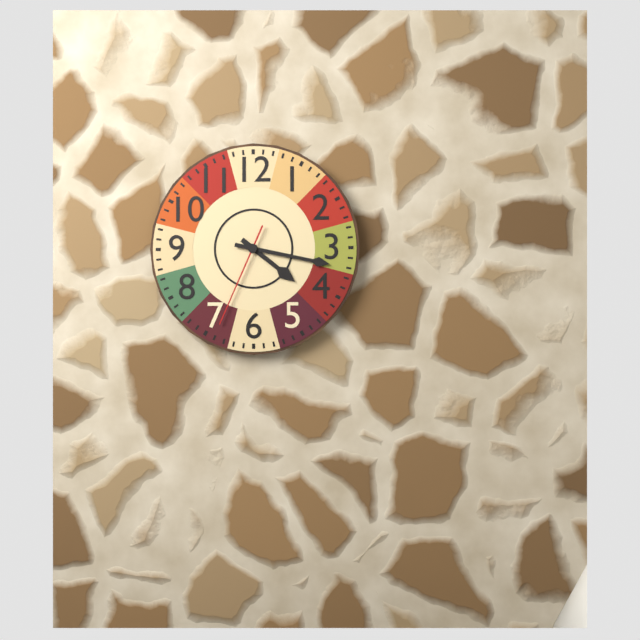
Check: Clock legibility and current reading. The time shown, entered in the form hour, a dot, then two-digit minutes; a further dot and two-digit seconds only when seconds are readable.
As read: 4.17.34
